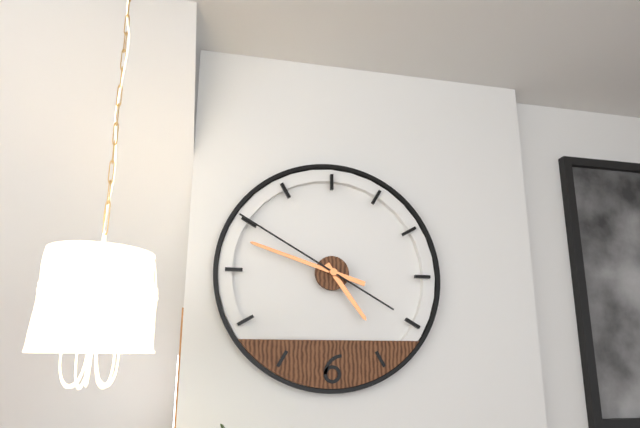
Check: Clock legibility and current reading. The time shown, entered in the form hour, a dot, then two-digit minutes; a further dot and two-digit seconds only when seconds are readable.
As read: 4.48.50
